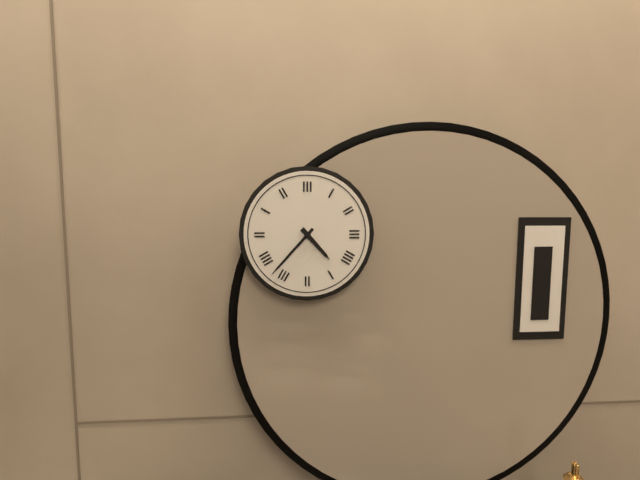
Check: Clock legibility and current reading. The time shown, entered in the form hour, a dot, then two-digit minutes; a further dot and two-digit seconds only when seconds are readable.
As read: 4.37
